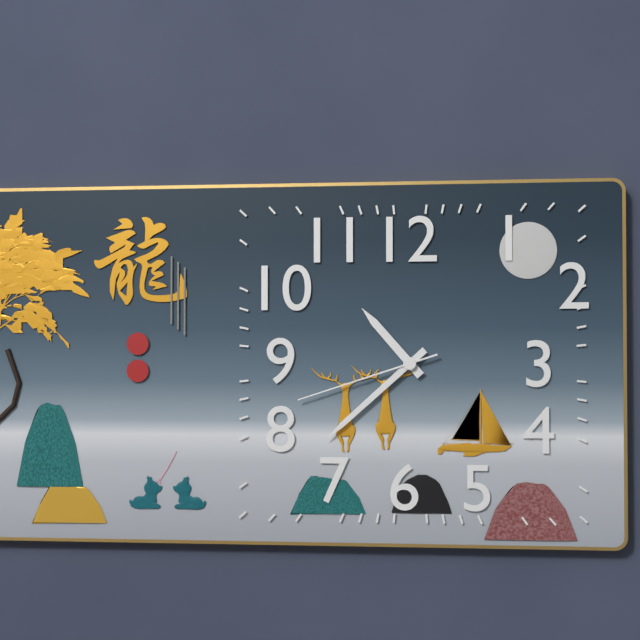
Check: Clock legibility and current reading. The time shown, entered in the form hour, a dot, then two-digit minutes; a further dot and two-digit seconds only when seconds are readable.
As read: 10.38.42
